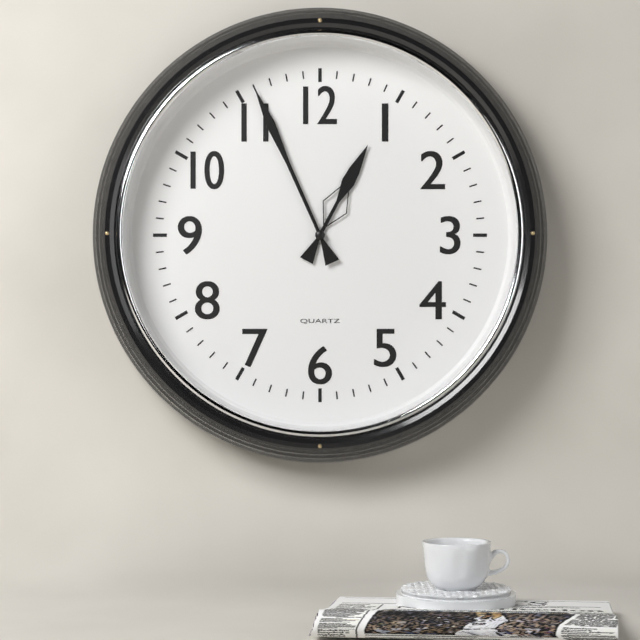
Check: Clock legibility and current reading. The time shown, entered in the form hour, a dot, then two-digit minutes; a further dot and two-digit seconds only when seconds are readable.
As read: 12.56
